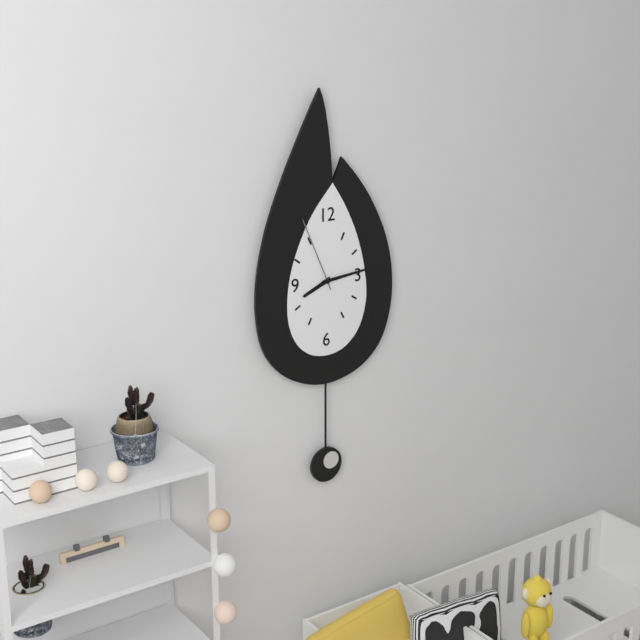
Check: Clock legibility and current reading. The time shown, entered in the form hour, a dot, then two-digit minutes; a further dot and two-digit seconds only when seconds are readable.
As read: 8.14.56
